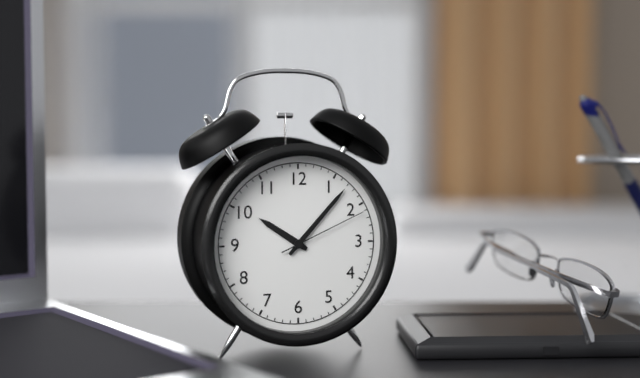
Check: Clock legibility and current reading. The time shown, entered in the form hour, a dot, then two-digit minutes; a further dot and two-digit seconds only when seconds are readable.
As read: 10.07.11
